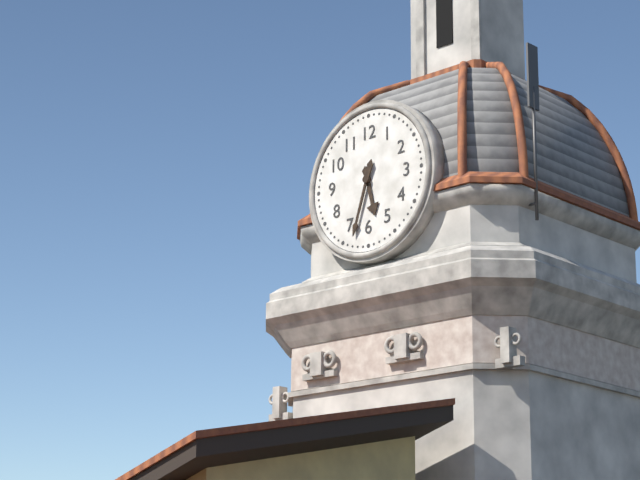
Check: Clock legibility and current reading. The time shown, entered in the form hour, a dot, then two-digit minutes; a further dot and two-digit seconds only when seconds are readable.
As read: 5.33
